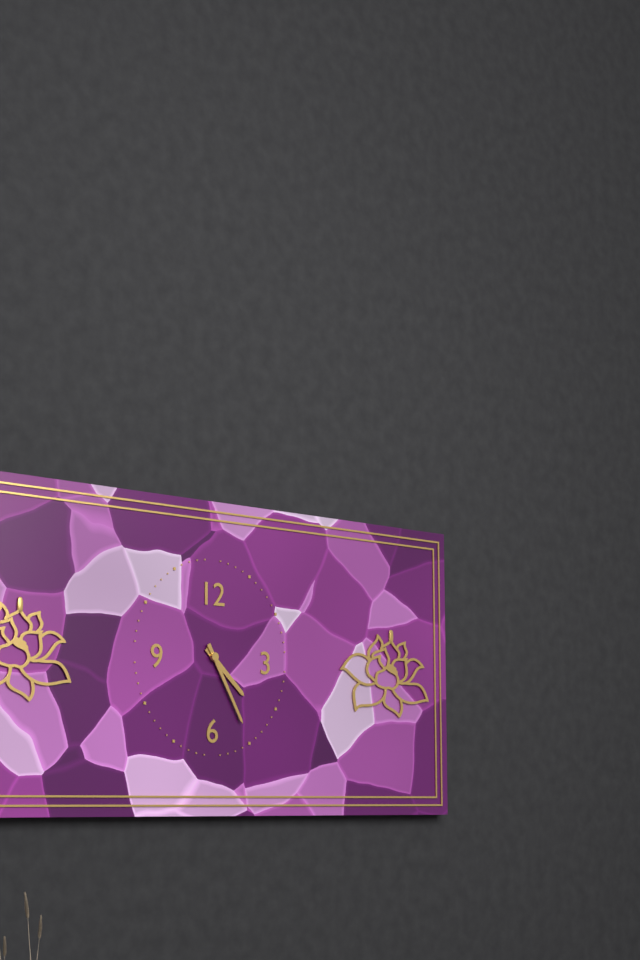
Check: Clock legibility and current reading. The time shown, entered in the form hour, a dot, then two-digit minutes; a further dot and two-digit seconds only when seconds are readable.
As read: 4.25
